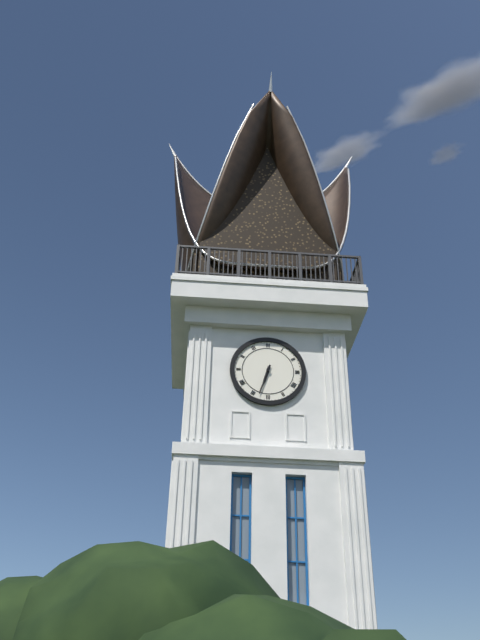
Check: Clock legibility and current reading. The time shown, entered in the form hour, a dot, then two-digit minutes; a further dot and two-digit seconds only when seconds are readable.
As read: 6.33
